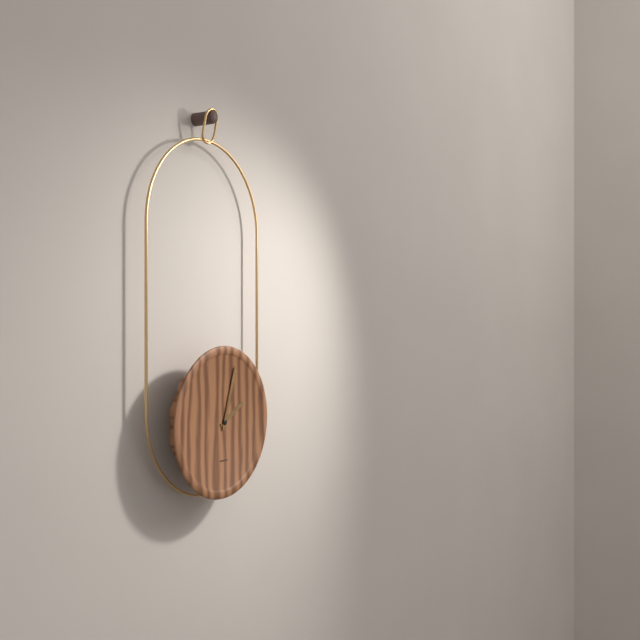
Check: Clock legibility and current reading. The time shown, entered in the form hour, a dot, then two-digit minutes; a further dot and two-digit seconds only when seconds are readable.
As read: 2.03
